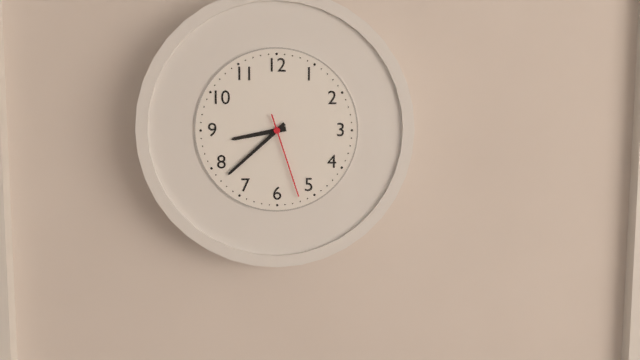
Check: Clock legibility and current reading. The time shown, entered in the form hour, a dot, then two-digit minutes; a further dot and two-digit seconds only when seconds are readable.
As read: 8.38.27
